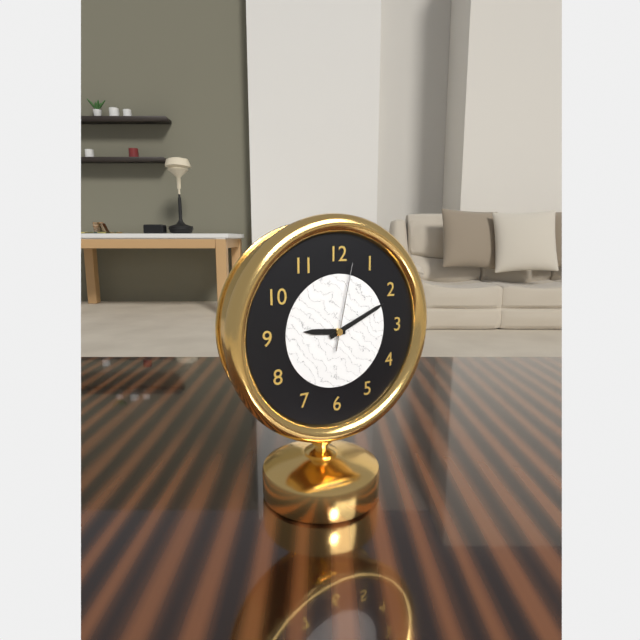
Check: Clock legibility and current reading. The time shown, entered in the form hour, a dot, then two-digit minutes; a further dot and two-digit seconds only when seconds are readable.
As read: 9.11.02
